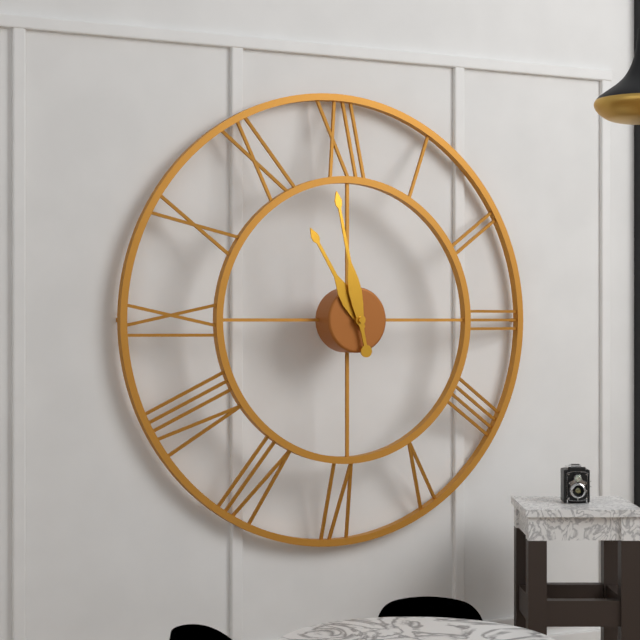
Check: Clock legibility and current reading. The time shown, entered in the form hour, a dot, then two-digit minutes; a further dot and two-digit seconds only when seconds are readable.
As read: 10.58
